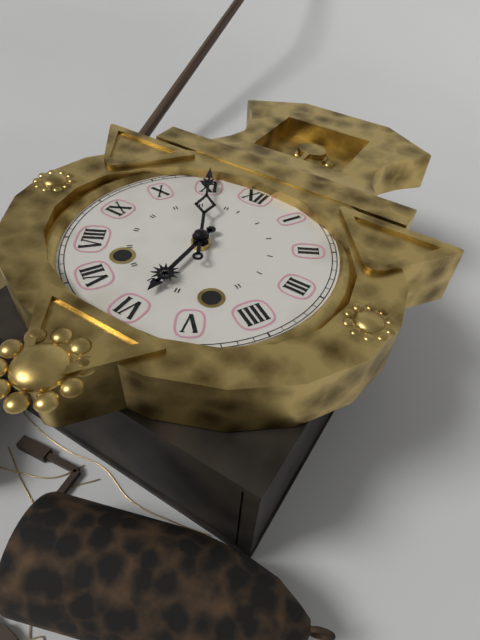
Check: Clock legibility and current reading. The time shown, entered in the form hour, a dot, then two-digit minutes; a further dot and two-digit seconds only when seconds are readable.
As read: 5.55
